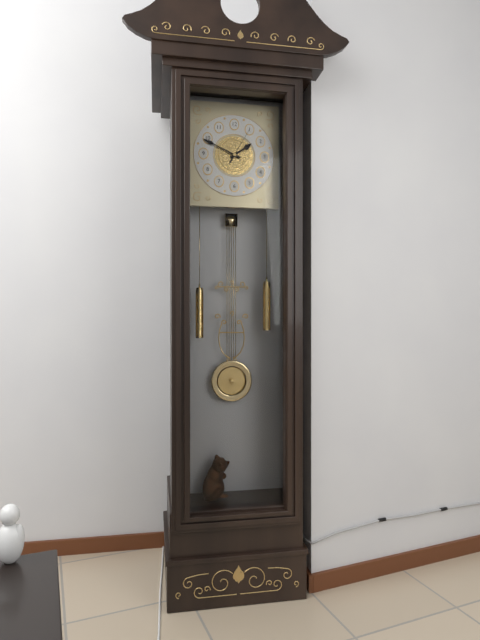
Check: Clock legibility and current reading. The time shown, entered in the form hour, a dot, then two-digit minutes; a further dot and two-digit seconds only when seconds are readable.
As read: 1.49
